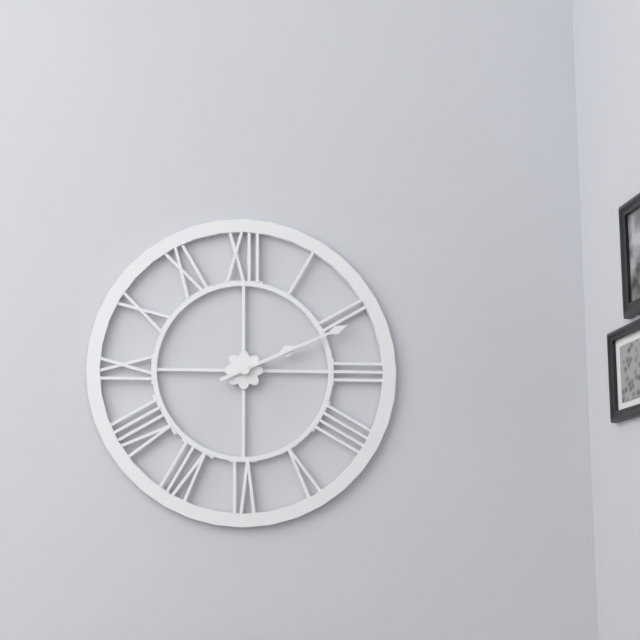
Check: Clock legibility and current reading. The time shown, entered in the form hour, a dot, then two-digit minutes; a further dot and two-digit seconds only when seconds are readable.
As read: 2.11
